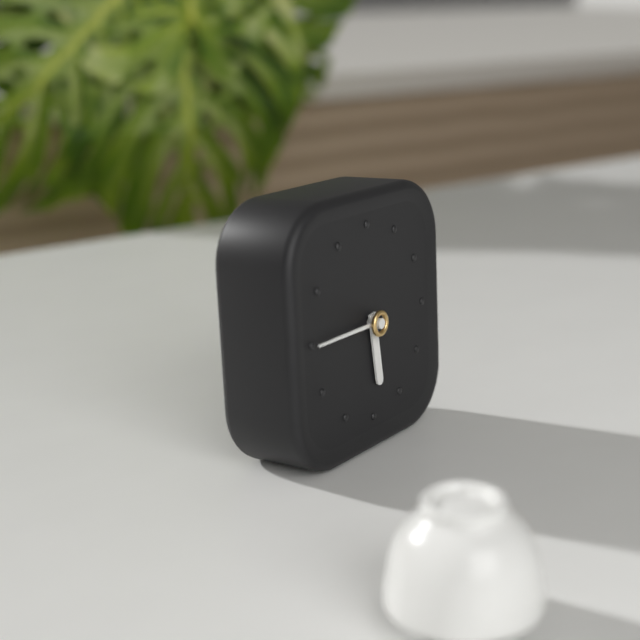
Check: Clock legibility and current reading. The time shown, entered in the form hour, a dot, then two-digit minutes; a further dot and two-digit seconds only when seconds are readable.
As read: 5.45
